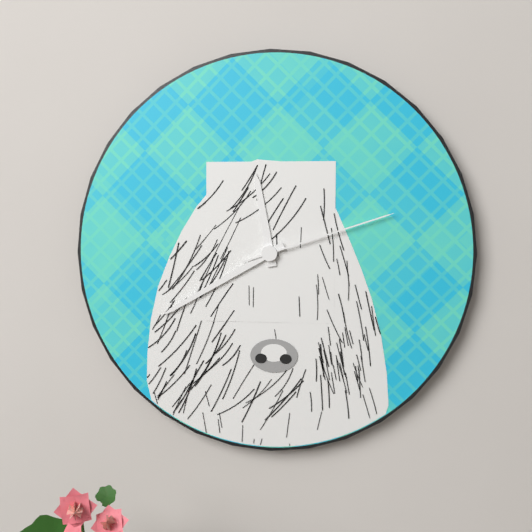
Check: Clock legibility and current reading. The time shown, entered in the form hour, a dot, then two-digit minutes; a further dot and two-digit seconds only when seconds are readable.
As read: 11.40.12
